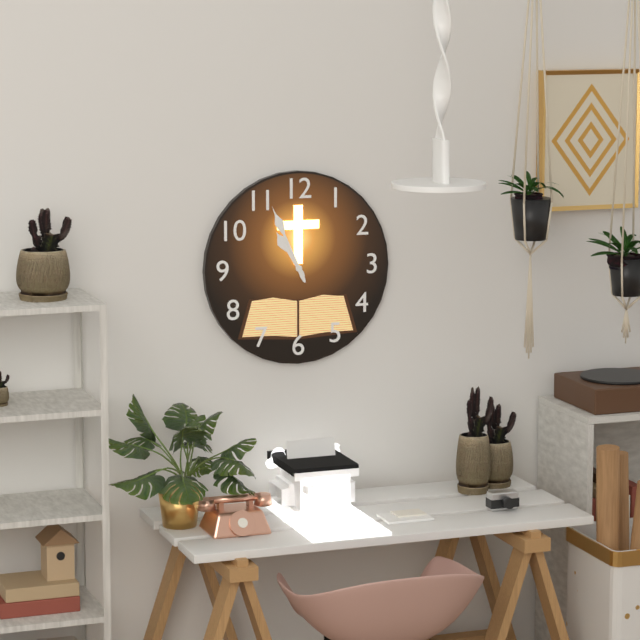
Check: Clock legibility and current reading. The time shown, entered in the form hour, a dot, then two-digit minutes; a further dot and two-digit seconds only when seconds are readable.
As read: 10.56
